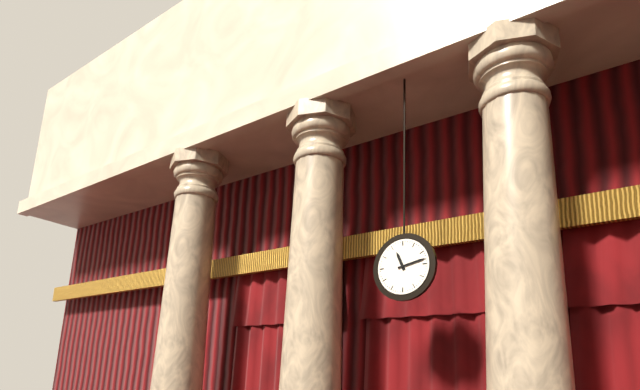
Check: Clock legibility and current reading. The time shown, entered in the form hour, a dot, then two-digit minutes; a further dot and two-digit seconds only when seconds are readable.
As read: 11.13
